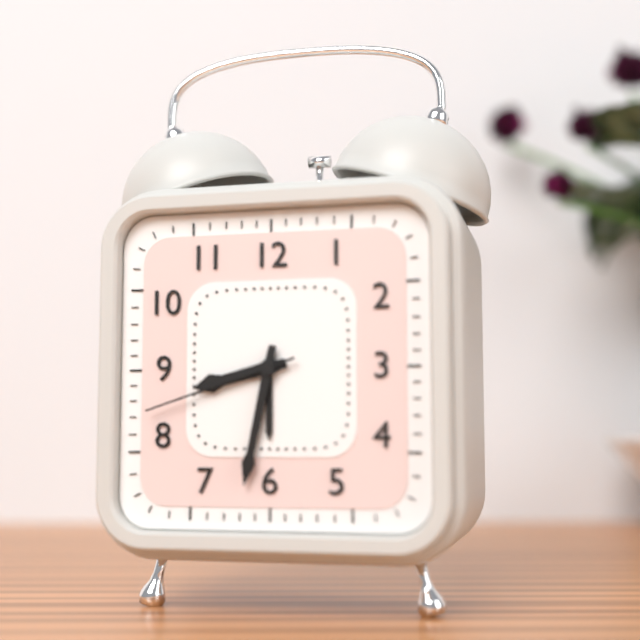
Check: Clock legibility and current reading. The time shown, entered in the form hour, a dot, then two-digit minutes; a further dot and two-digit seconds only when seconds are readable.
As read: 8.32.42
